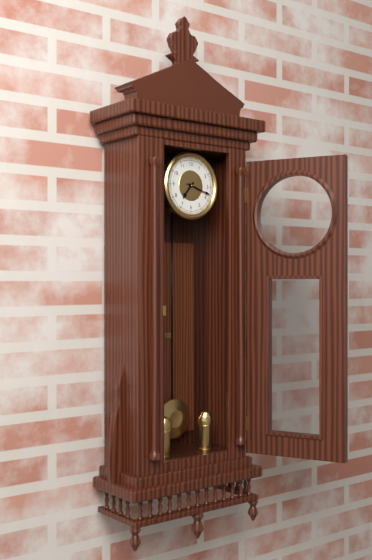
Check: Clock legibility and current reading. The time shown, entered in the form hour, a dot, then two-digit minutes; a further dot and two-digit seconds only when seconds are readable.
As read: 7.18
